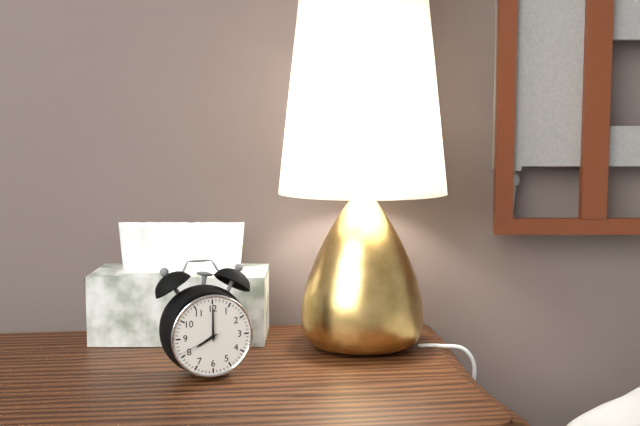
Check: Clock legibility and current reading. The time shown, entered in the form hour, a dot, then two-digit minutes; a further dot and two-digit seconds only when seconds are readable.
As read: 8.00
